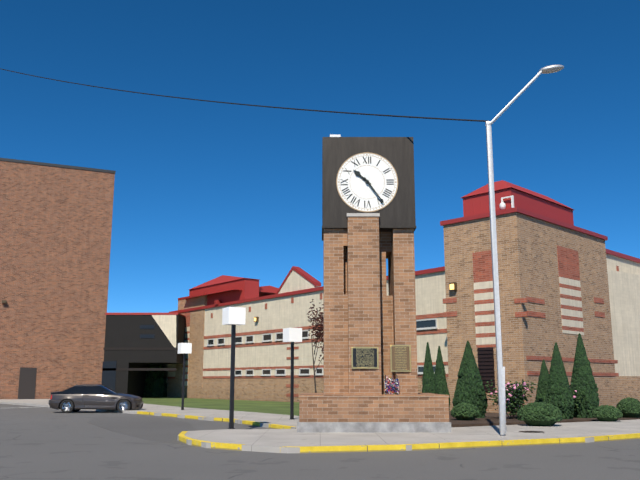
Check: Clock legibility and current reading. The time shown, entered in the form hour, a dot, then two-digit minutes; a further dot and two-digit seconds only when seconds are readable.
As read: 10.24
